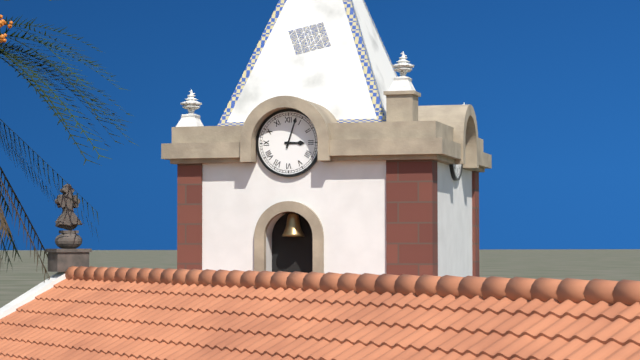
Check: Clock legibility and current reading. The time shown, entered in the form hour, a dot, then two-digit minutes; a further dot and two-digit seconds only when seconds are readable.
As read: 3.03
